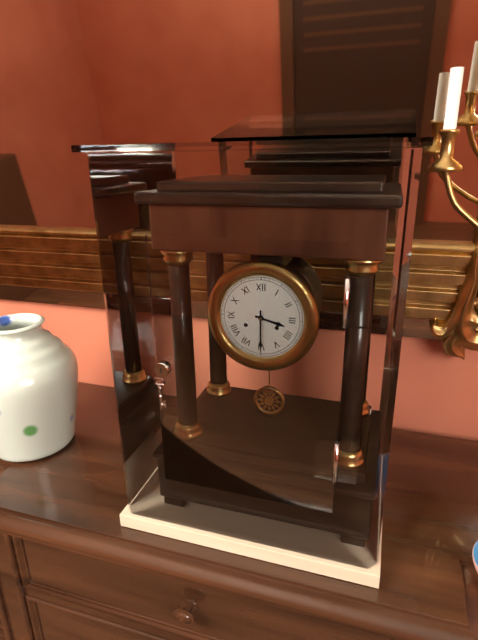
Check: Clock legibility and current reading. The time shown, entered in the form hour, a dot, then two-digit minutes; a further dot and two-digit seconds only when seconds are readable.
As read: 3.30
